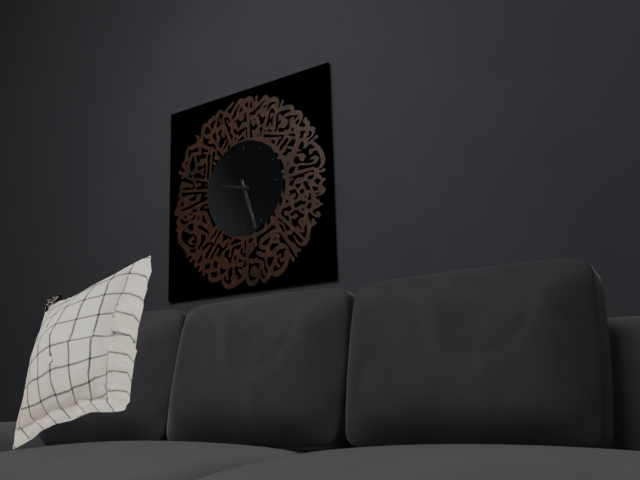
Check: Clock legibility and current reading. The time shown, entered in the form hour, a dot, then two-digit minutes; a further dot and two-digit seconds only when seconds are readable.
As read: 9.27
